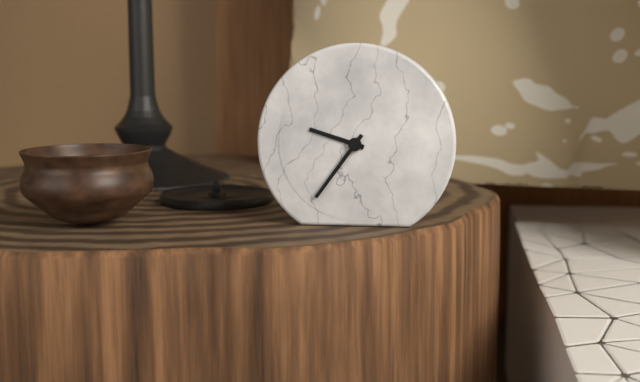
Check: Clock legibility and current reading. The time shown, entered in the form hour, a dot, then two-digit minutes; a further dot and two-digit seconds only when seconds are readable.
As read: 9.36
